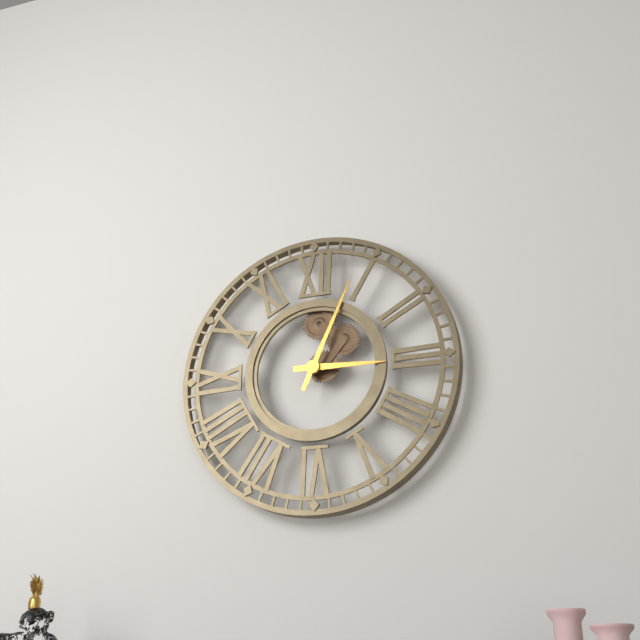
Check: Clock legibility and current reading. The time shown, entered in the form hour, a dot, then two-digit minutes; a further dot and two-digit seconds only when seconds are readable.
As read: 3.04
